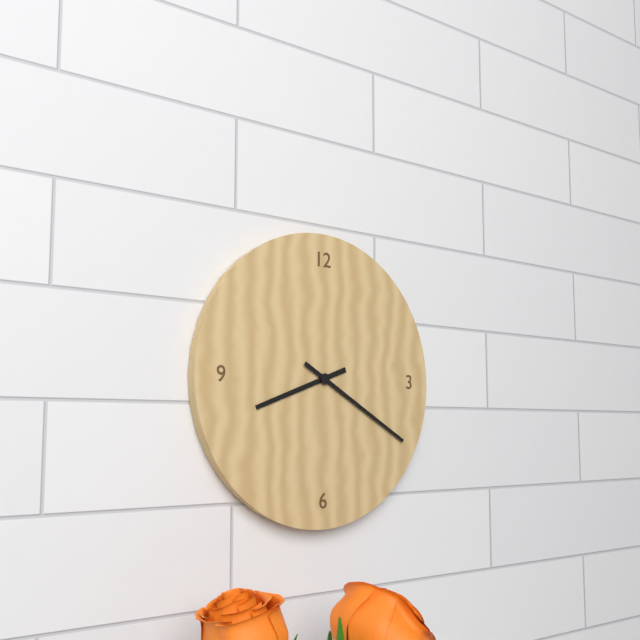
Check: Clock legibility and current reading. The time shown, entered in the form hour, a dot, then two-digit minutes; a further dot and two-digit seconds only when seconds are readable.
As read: 8.20
